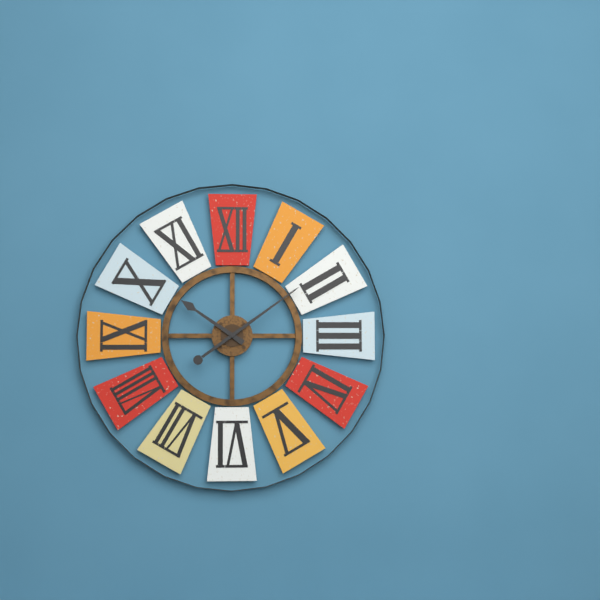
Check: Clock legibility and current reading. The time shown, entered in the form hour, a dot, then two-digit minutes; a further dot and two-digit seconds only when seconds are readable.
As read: 10.09
